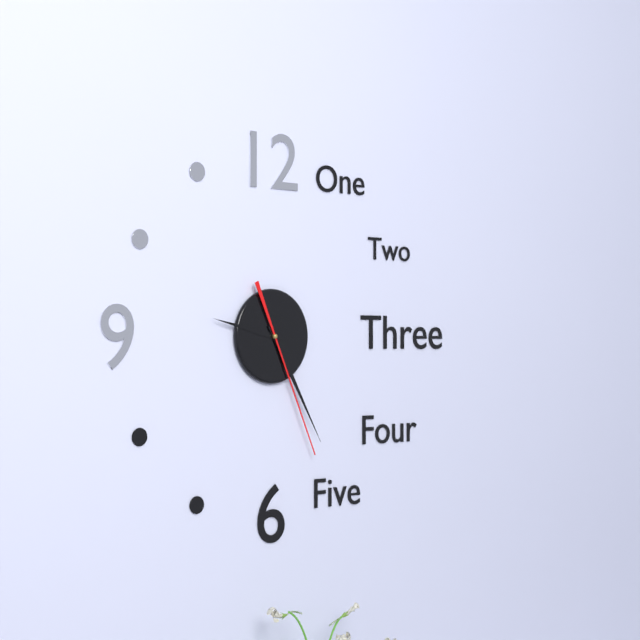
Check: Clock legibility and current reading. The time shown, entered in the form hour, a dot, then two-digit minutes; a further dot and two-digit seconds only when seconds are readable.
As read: 9.25.26
